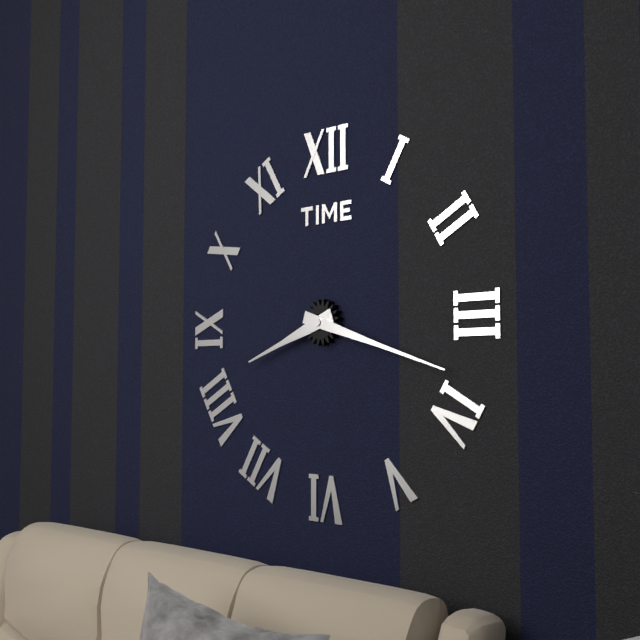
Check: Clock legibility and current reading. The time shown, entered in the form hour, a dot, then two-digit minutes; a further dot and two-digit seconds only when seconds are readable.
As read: 8.18
